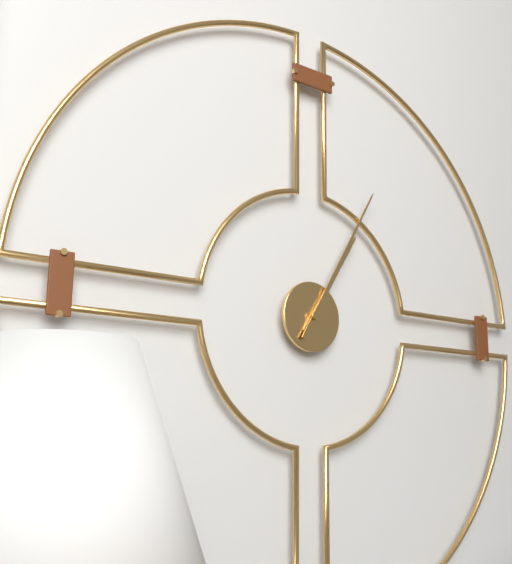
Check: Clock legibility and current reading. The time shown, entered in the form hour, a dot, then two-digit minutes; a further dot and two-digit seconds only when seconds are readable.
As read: 1.05
